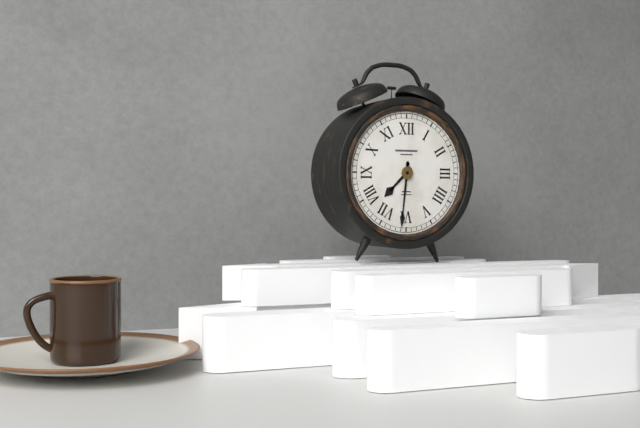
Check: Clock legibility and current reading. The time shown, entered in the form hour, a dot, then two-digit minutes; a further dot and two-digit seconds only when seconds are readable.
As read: 7.31
